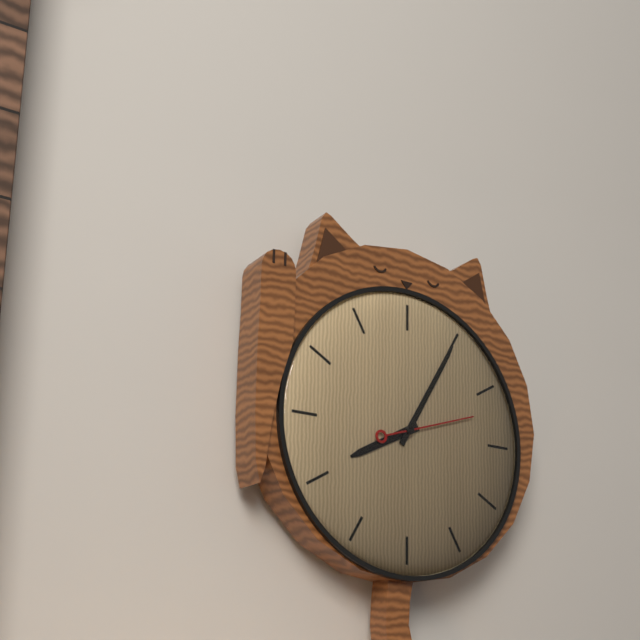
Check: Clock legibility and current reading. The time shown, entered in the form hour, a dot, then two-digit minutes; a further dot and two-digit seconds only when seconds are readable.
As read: 8.05.12
